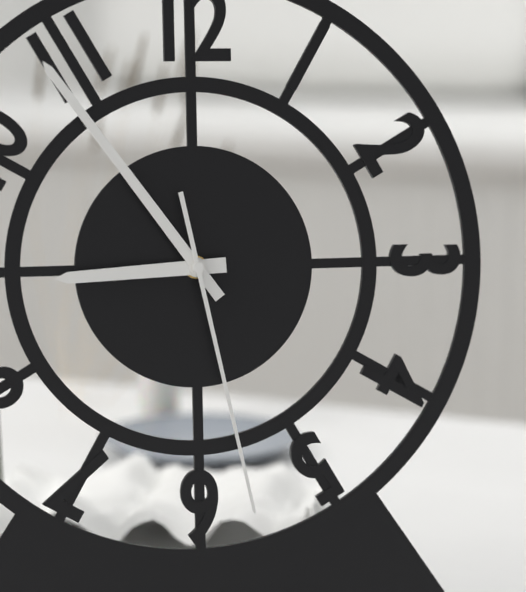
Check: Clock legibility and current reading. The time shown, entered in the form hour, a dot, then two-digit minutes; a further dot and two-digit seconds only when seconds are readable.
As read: 8.54.28
